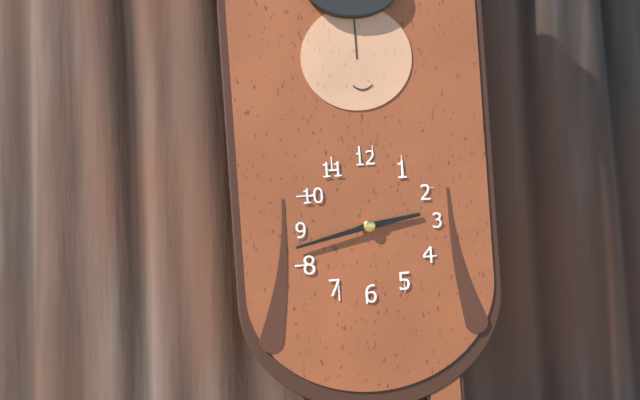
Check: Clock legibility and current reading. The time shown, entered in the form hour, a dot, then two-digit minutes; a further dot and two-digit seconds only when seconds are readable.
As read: 2.43
